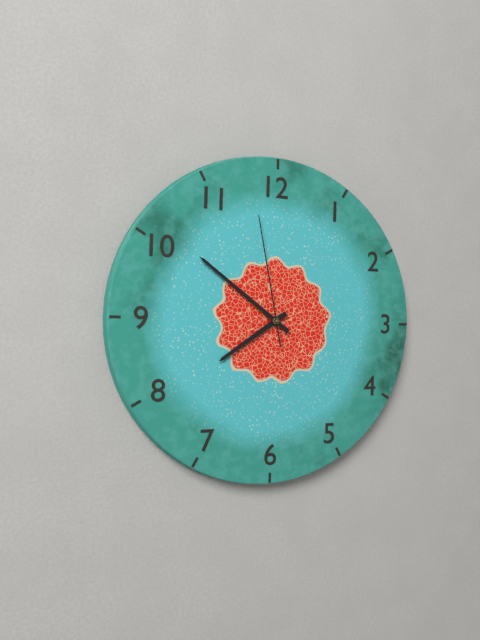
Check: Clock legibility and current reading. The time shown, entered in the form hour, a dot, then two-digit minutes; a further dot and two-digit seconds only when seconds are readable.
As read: 7.51.58
